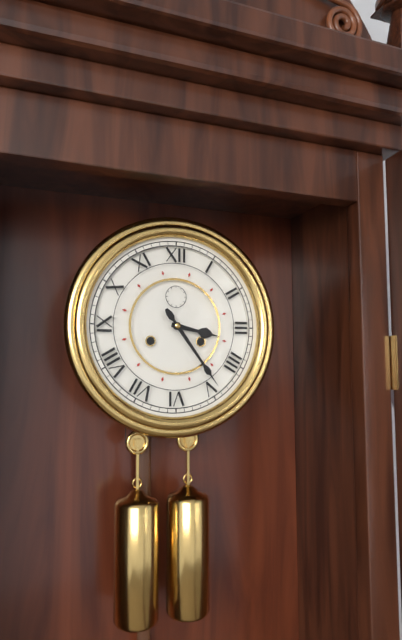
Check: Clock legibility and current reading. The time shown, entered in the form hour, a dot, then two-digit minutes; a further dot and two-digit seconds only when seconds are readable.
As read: 3.24
